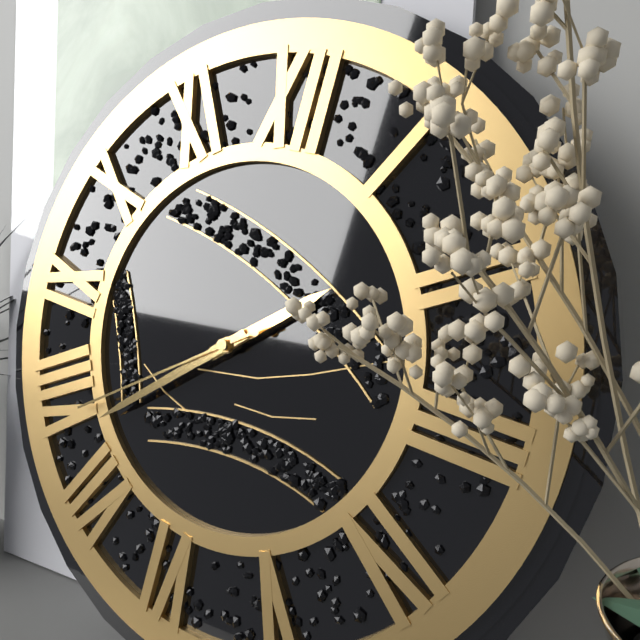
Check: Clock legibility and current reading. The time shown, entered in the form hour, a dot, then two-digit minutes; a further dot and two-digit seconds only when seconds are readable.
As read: 1.38.39
